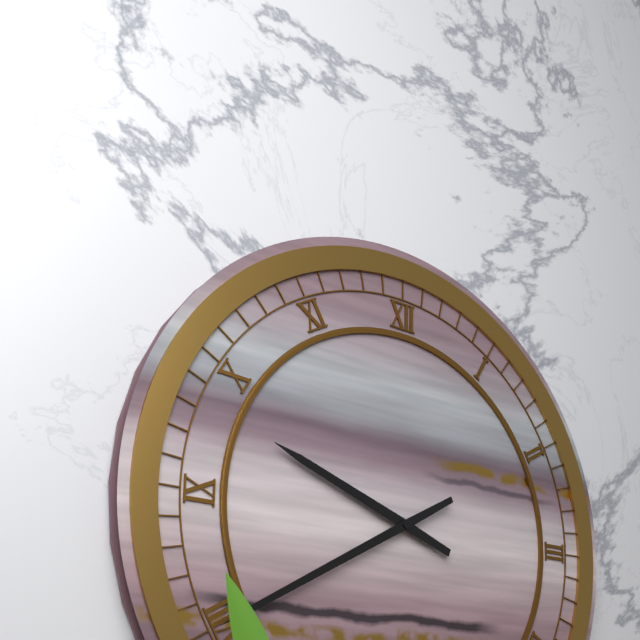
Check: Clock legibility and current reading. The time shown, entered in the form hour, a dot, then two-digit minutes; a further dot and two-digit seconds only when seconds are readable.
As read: 9.40
